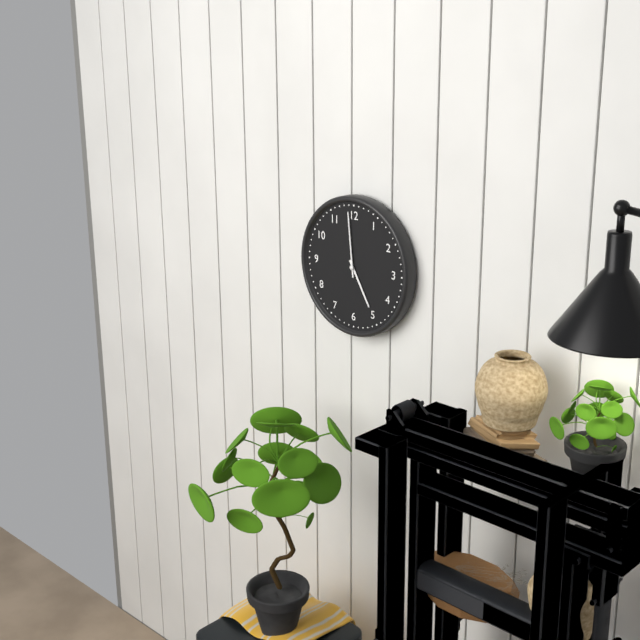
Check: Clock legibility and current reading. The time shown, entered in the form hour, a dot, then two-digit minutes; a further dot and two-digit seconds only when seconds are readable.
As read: 4.59
